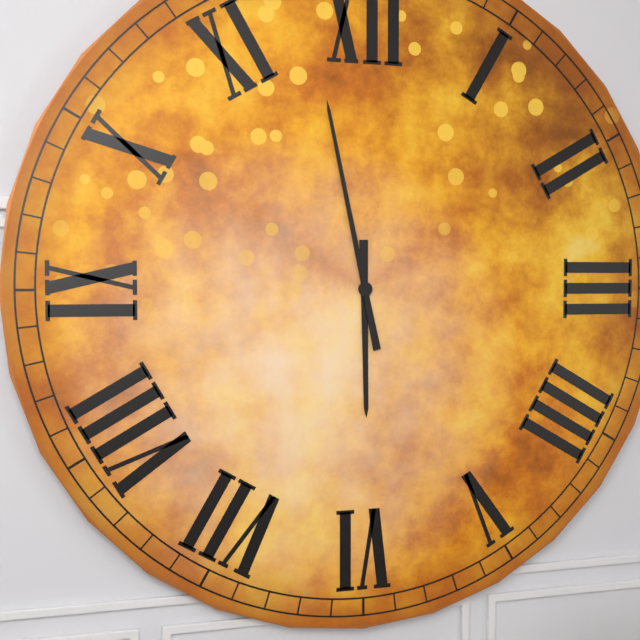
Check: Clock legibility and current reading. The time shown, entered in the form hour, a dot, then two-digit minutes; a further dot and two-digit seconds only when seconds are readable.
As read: 5.58
